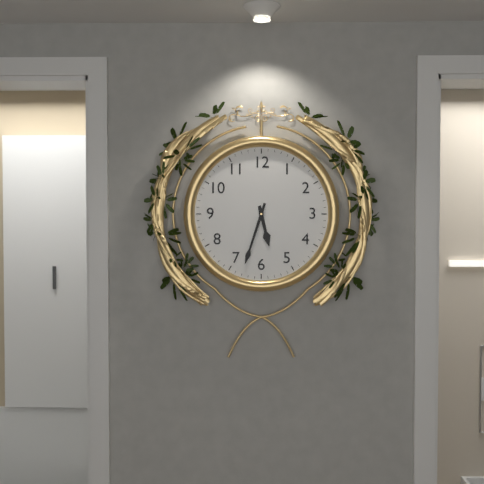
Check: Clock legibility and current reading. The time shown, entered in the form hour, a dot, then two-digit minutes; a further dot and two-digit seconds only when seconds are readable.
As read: 5.33
